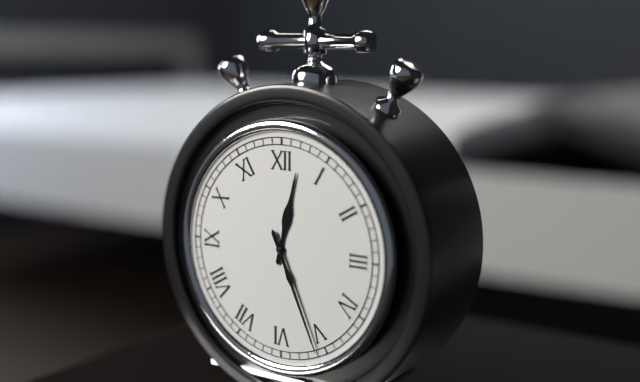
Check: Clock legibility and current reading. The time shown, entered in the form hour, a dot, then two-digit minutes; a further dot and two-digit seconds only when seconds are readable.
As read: 12.26
